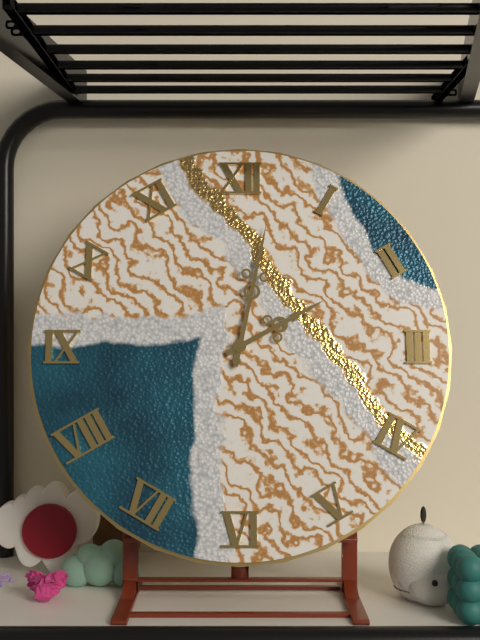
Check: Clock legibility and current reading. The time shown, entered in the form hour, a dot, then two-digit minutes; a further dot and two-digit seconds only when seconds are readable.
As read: 2.02
